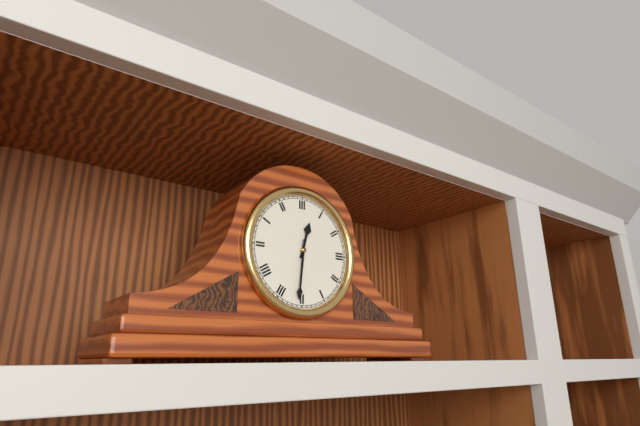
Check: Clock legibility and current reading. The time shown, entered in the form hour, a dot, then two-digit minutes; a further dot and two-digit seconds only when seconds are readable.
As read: 12.31
